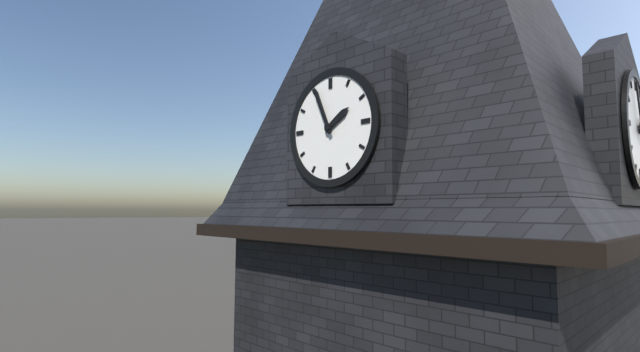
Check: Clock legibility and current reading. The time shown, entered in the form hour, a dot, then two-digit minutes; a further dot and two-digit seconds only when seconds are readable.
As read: 1.56
